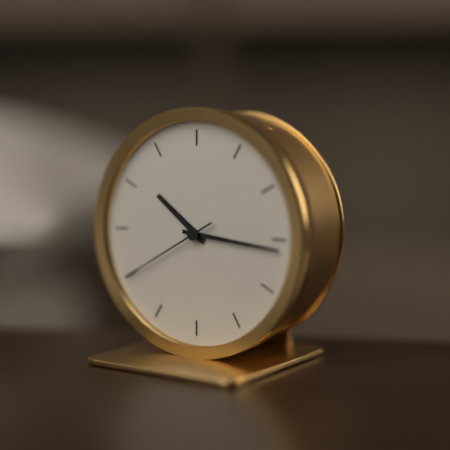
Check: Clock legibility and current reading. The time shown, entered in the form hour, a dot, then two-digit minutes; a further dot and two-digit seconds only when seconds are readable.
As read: 10.16.40
